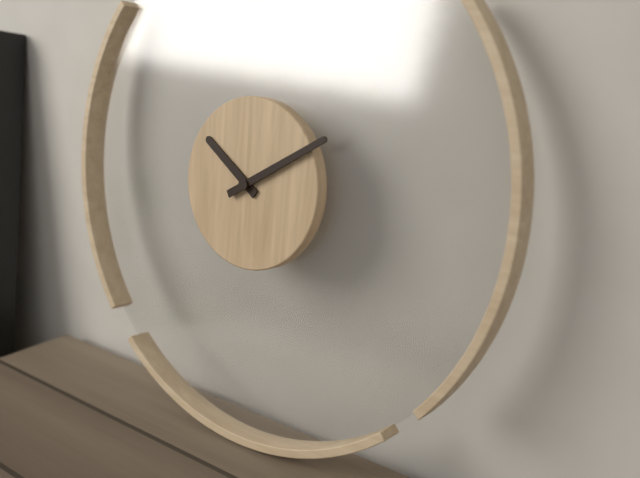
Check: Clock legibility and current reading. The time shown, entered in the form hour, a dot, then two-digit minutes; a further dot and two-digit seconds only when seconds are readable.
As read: 10.10
